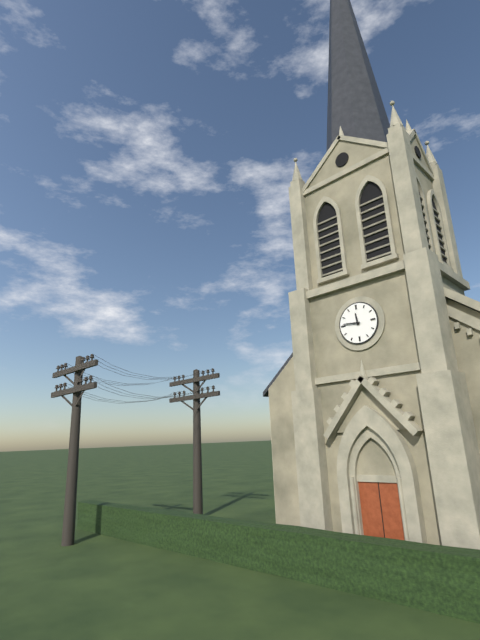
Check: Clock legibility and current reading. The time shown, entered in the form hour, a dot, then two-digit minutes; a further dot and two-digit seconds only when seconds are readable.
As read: 11.46
